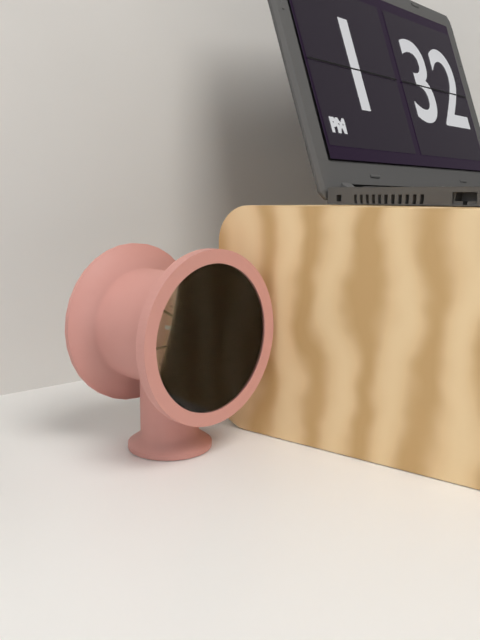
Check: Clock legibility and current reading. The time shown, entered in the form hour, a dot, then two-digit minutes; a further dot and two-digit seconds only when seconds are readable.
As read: 1.48.51
